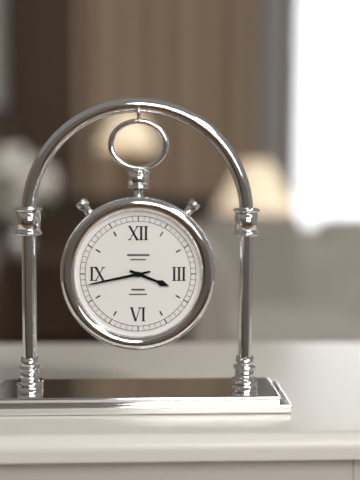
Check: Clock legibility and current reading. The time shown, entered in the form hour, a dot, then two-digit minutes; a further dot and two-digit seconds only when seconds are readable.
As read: 3.43
